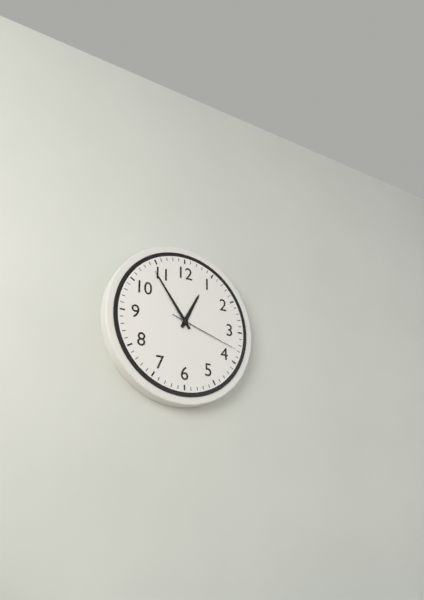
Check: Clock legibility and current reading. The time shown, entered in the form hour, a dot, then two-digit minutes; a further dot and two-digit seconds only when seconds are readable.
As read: 12.54.18
